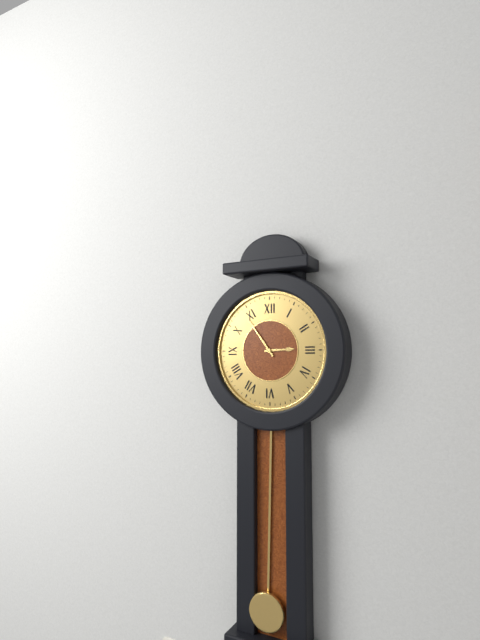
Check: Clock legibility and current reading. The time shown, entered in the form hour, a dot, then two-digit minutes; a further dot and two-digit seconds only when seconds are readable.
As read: 2.54
